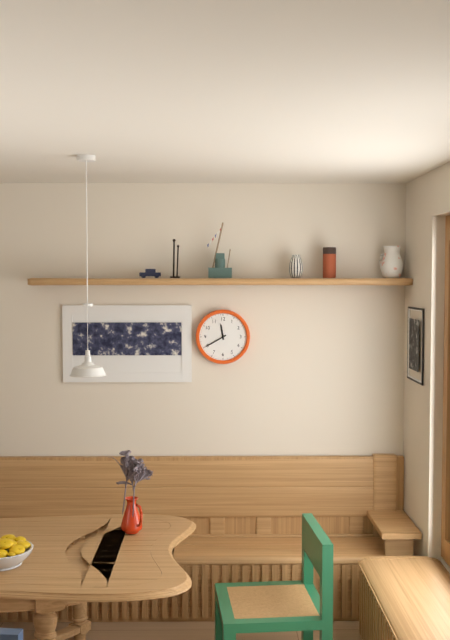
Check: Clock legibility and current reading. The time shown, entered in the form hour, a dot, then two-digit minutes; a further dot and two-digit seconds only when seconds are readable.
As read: 11.40
